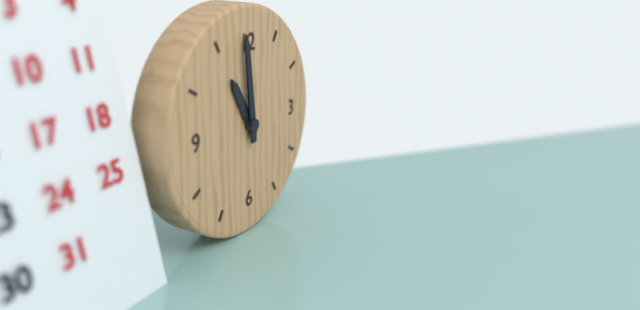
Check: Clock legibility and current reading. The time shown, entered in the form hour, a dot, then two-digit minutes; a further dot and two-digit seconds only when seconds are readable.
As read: 10.59
